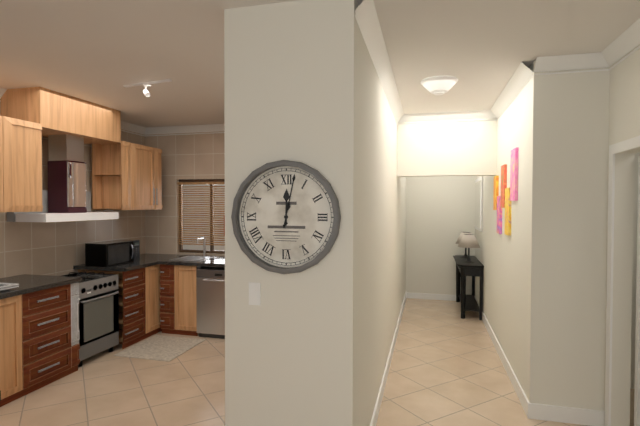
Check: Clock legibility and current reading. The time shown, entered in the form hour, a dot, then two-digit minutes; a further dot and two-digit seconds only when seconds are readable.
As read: 12.02
